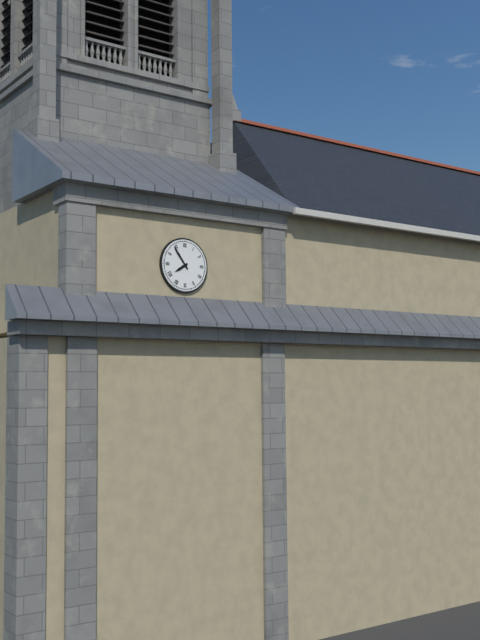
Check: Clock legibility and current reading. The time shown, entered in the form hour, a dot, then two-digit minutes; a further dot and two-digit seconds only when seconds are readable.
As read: 7.54
